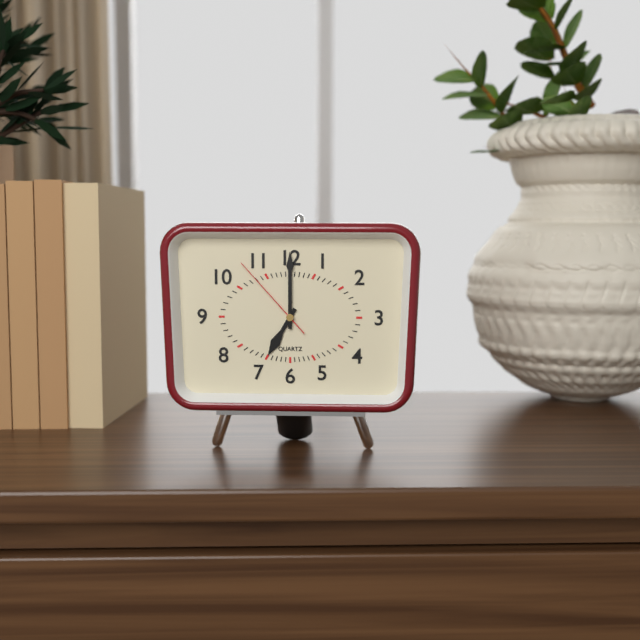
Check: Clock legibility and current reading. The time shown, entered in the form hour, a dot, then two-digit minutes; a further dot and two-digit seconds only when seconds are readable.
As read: 7.00.53
